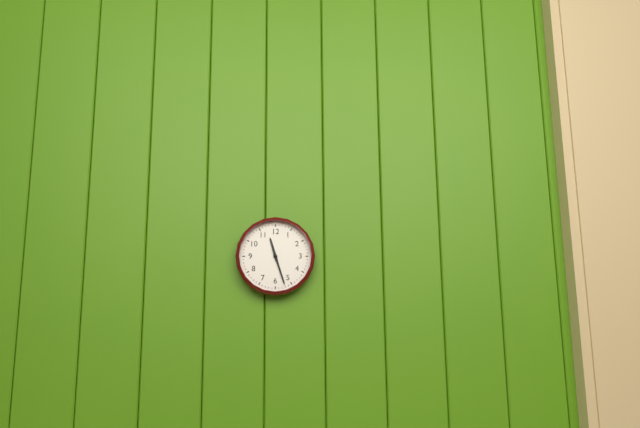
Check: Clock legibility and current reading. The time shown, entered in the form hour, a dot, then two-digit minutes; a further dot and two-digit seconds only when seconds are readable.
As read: 11.27
